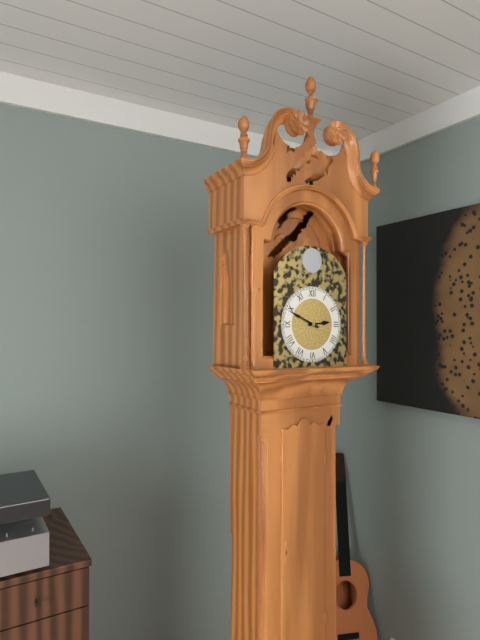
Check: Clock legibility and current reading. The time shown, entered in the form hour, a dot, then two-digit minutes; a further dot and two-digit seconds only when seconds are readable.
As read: 2.49
